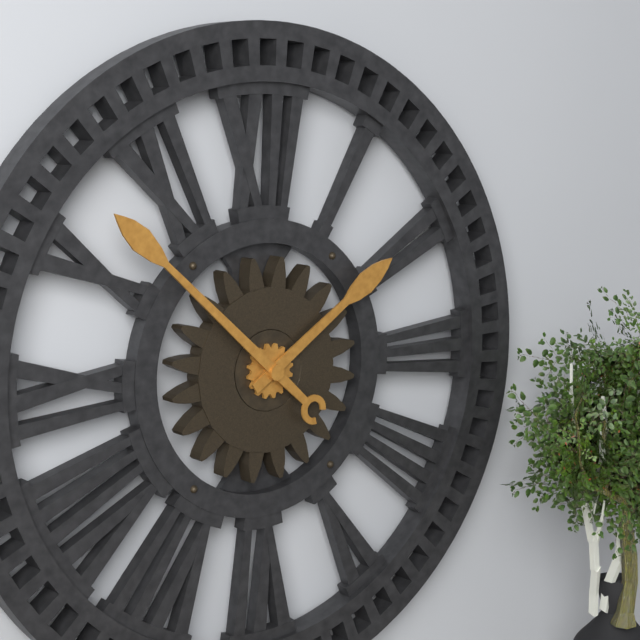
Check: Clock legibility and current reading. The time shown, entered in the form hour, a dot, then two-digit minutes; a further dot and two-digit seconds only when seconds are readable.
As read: 1.52
